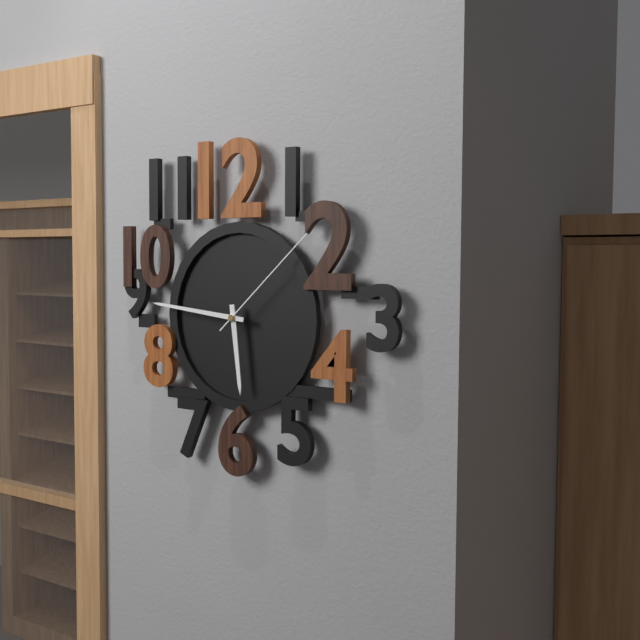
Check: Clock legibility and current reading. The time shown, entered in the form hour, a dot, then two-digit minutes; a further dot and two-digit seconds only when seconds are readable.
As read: 5.46.08
